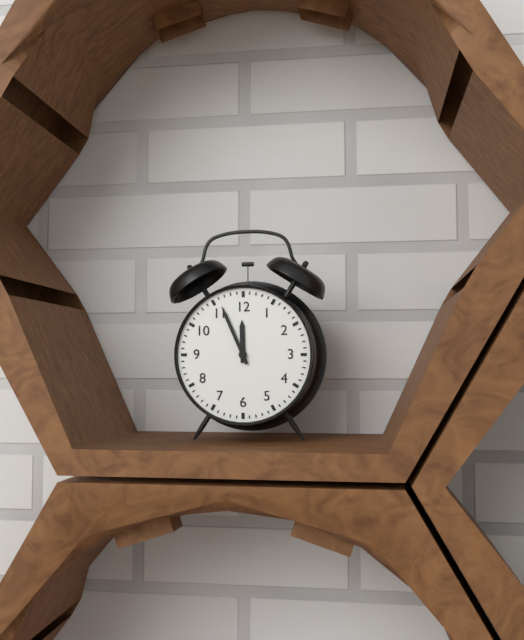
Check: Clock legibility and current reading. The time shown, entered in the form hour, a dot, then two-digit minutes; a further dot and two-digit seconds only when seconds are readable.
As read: 11.56
